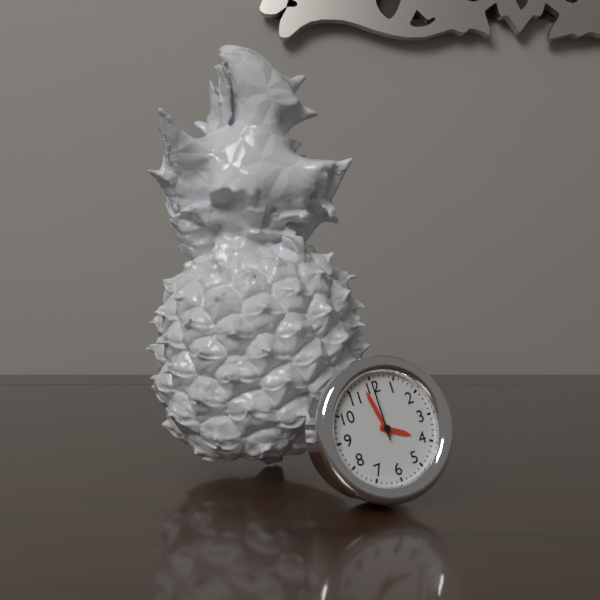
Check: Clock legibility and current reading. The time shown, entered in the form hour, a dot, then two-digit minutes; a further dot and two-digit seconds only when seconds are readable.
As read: 3.58.00
